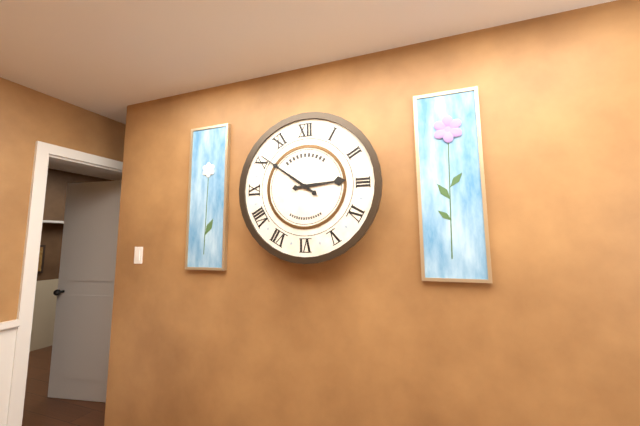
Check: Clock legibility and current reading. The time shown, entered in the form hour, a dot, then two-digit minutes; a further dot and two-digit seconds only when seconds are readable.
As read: 2.51
